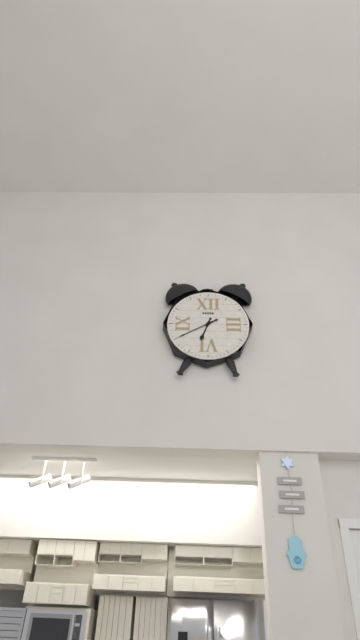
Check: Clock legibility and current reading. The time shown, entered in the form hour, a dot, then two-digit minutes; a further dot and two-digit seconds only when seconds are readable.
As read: 6.40
